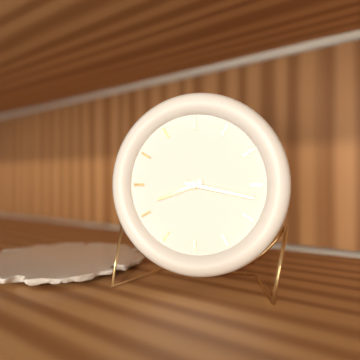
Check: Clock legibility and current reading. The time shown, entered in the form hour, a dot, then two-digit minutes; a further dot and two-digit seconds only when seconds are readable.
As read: 8.17
